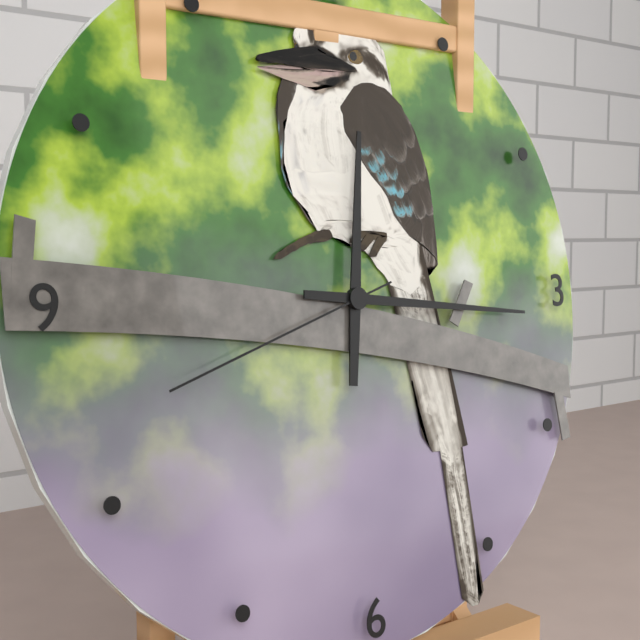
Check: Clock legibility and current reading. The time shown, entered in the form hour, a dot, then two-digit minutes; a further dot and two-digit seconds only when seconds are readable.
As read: 12.16.42
